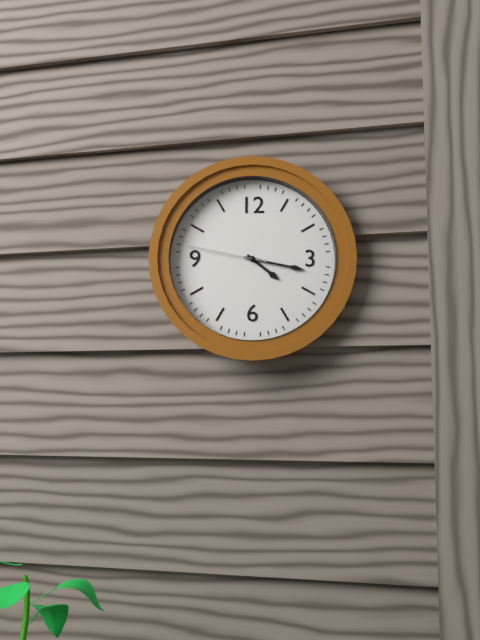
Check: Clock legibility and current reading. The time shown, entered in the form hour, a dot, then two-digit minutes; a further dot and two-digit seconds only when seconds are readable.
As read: 4.17.47
